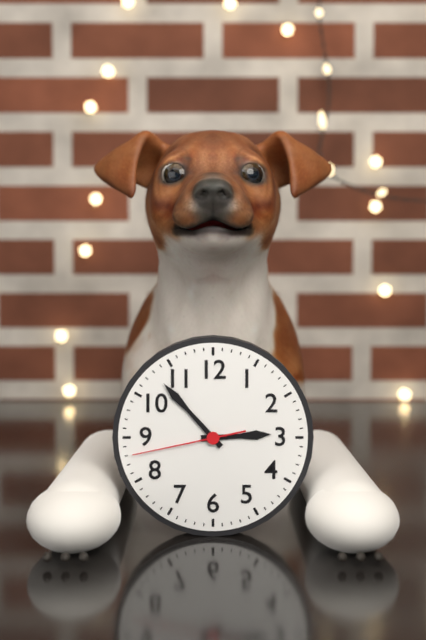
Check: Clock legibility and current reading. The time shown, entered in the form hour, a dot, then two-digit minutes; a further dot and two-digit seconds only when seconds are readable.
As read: 2.53.43
